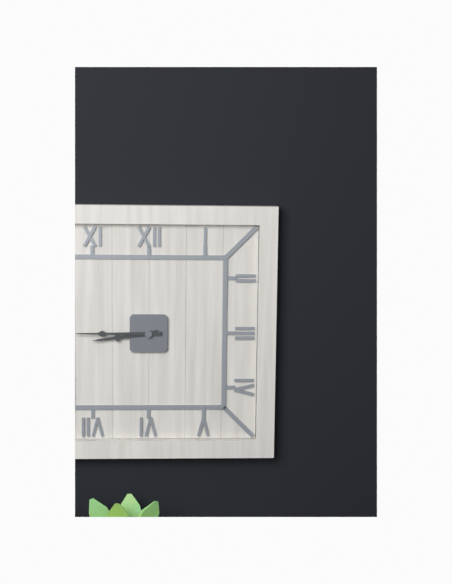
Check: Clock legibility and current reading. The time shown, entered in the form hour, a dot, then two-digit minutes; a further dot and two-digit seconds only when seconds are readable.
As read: 8.45
